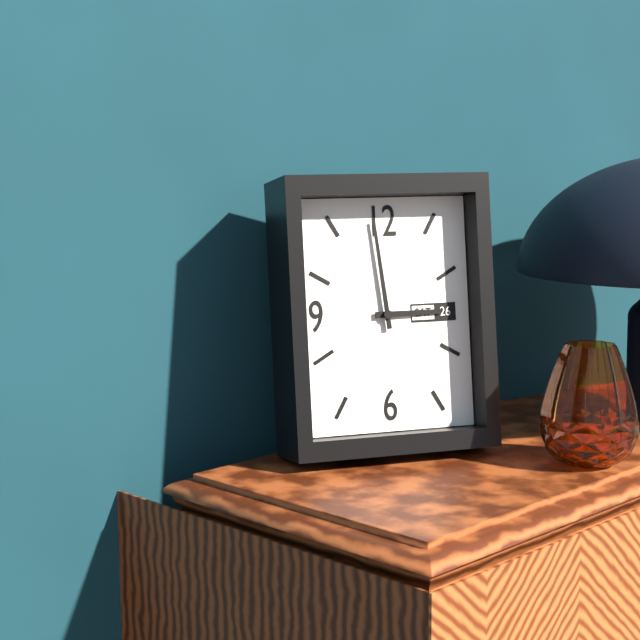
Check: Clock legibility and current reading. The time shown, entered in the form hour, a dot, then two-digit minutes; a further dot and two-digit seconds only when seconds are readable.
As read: 2.59
